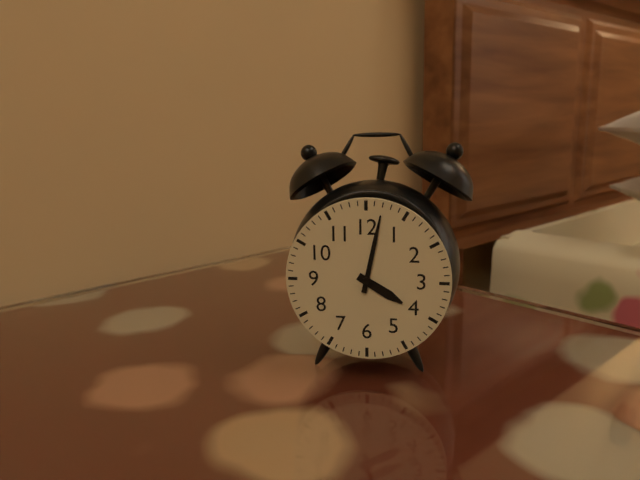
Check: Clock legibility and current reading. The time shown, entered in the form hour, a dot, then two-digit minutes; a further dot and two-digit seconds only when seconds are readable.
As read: 4.02
